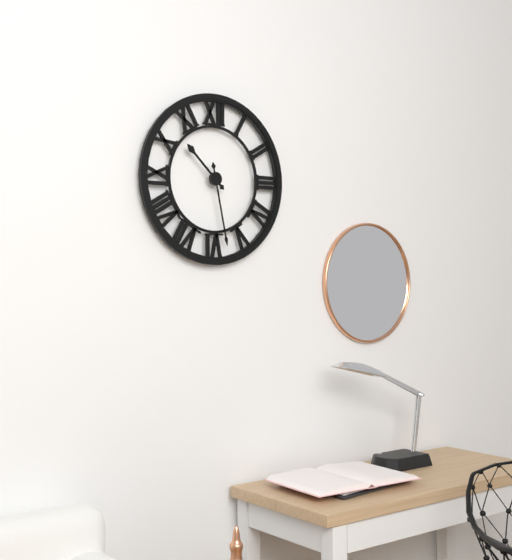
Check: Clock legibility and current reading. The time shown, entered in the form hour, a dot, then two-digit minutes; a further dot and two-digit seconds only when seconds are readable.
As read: 10.28
